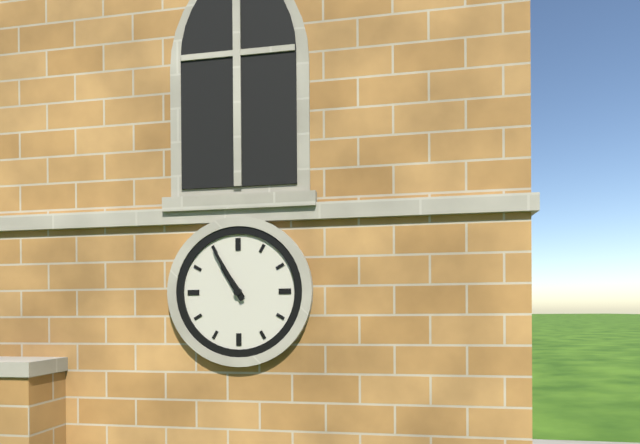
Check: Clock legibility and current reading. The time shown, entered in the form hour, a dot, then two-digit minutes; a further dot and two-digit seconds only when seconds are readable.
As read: 10.55
